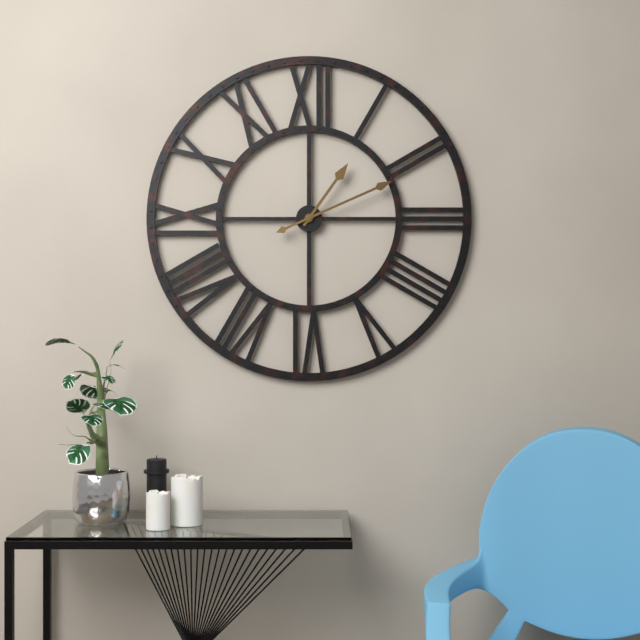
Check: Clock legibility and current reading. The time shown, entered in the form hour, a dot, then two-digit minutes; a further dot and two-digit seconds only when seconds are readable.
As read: 1.11
